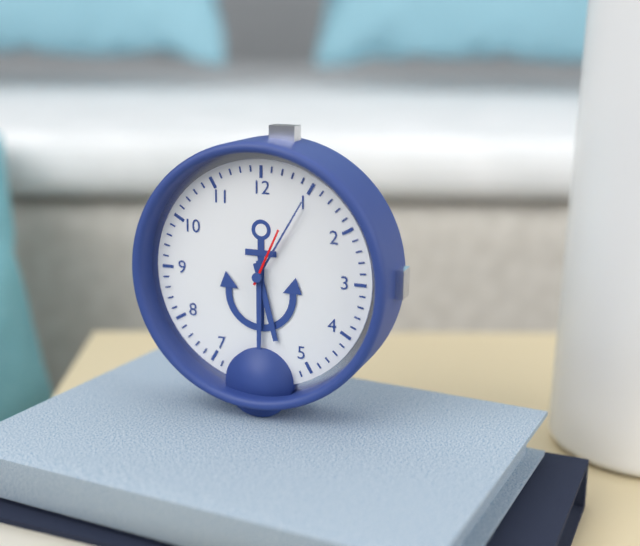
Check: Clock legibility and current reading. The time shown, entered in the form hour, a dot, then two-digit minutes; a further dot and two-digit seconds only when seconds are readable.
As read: 5.30.04
